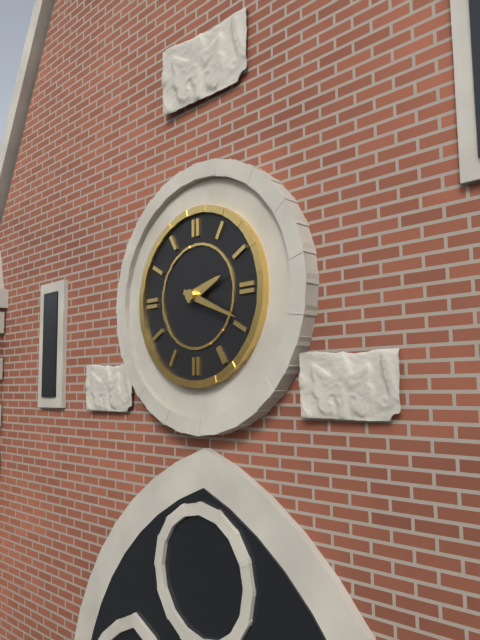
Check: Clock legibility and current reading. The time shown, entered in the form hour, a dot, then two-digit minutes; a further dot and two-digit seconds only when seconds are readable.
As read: 2.19
